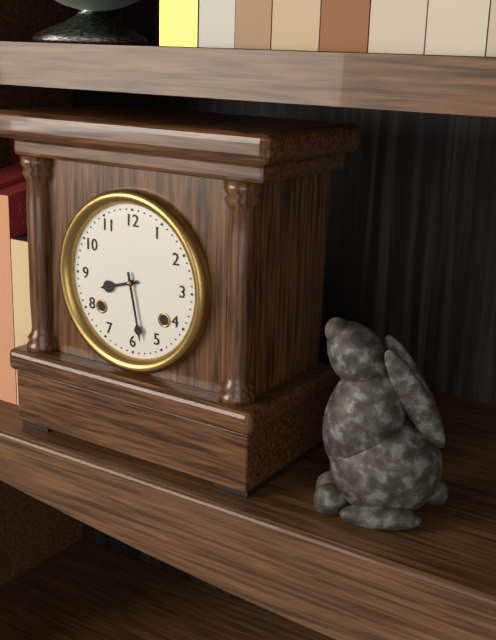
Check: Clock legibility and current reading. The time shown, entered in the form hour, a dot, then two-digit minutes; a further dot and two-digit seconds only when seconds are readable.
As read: 8.28
